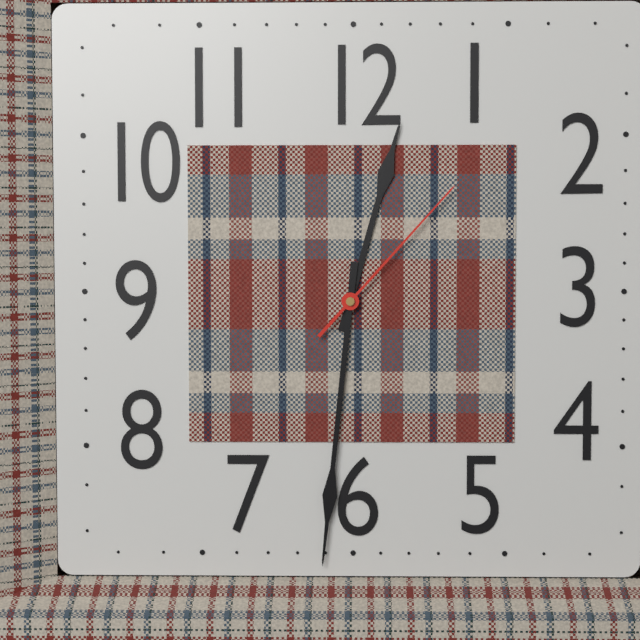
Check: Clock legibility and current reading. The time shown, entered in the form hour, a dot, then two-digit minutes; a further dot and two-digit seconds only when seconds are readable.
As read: 12.31.07
